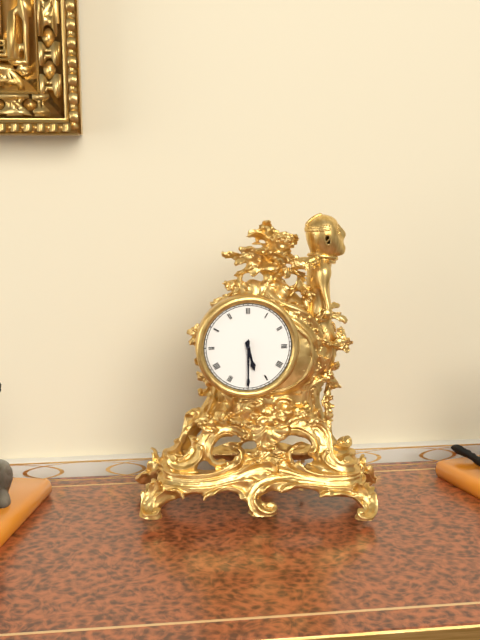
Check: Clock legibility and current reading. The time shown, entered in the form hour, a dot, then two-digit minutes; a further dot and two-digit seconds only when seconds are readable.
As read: 5.30
